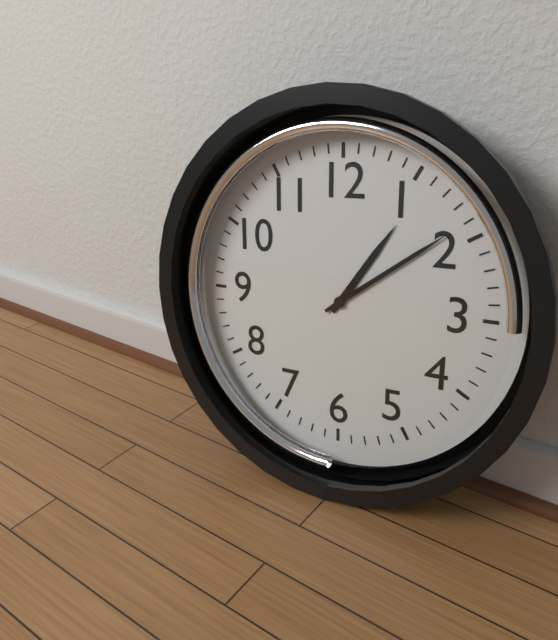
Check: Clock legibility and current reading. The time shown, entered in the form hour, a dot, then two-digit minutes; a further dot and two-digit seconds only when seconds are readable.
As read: 1.09
